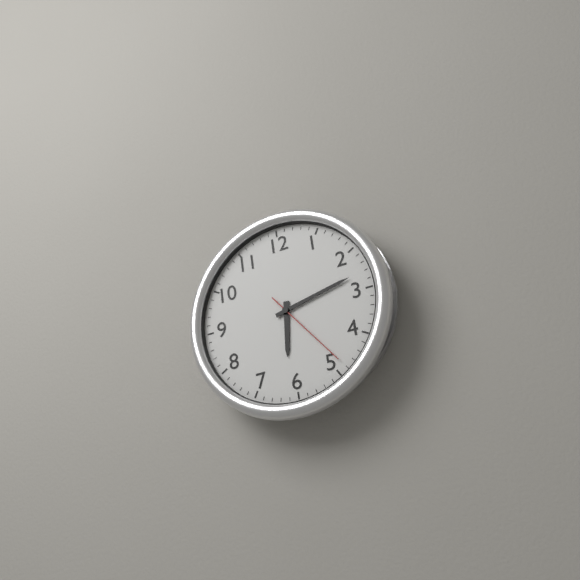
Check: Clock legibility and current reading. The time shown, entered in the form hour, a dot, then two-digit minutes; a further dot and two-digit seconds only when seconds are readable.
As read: 6.13.24
